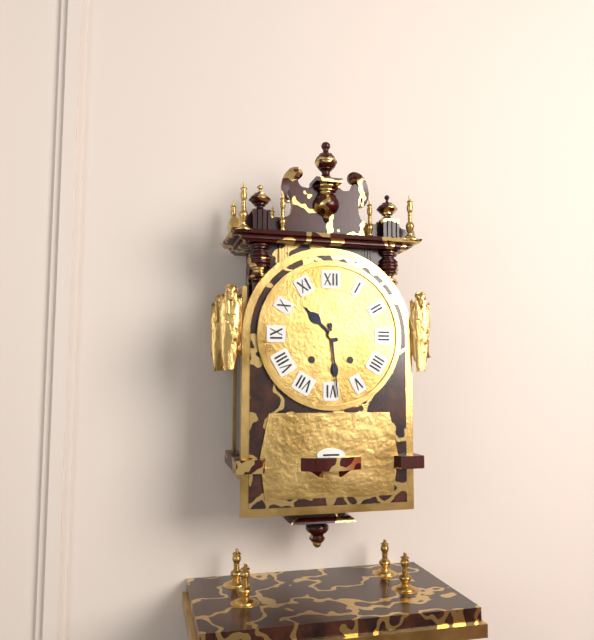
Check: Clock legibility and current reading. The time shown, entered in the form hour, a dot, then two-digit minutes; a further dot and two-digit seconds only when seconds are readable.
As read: 10.29
